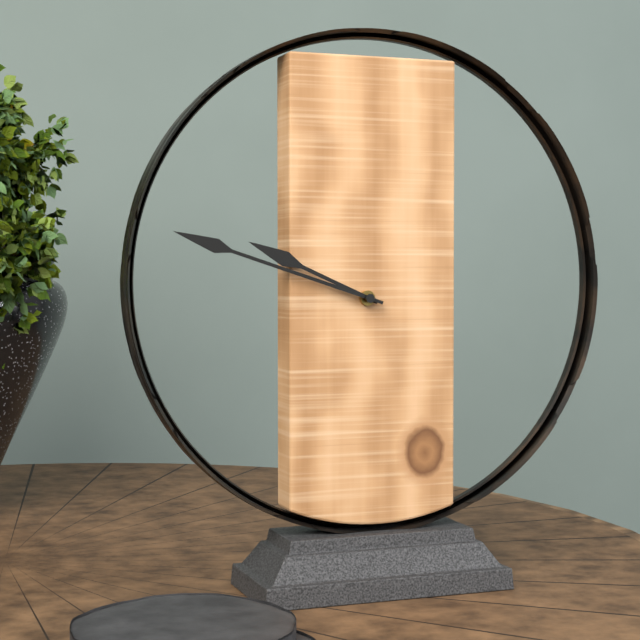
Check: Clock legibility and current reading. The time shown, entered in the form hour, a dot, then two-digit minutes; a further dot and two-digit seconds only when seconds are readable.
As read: 9.48
